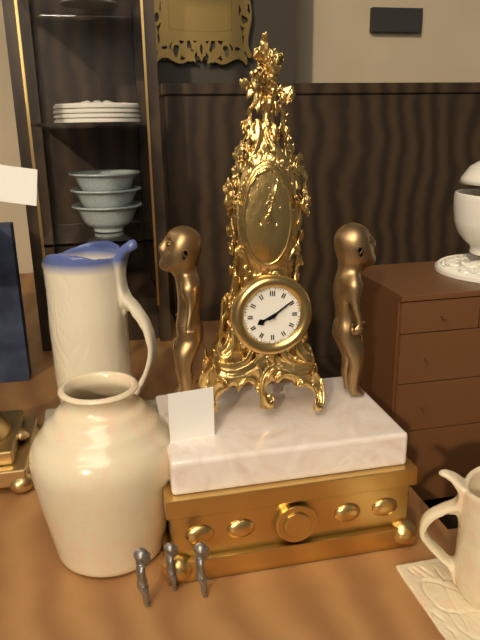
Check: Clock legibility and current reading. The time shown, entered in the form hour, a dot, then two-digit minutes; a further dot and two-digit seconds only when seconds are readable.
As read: 8.09
